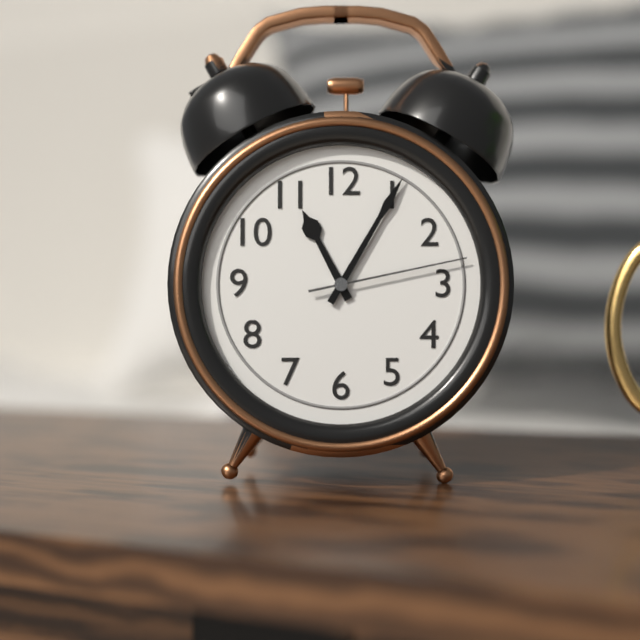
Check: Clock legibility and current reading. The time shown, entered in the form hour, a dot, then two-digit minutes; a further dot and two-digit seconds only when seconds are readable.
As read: 11.05.13
